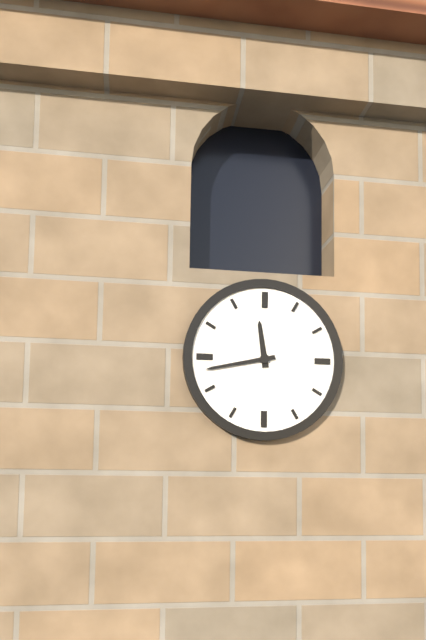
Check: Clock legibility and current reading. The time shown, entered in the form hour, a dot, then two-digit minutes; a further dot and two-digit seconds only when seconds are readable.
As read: 11.43
